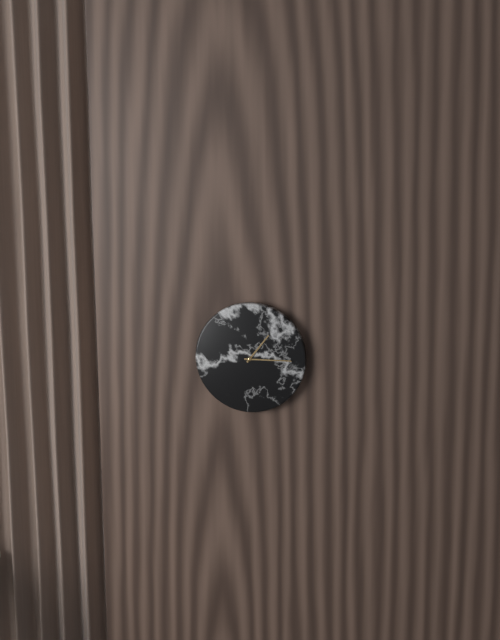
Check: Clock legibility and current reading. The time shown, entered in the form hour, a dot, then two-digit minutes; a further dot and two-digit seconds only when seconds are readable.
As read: 1.15
